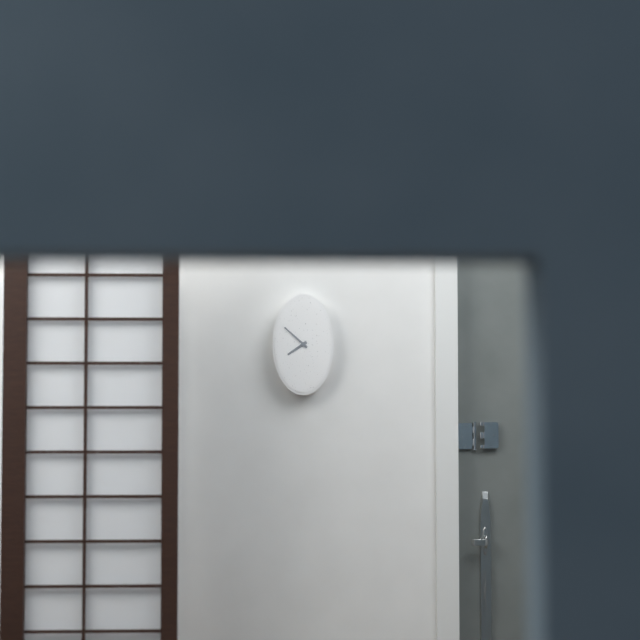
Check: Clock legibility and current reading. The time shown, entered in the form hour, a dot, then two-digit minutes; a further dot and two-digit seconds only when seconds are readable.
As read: 7.52
